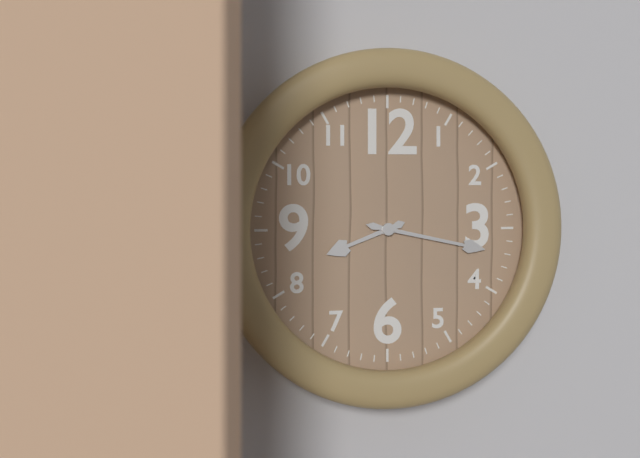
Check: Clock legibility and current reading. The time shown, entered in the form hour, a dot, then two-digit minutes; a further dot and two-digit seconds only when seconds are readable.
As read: 8.17
